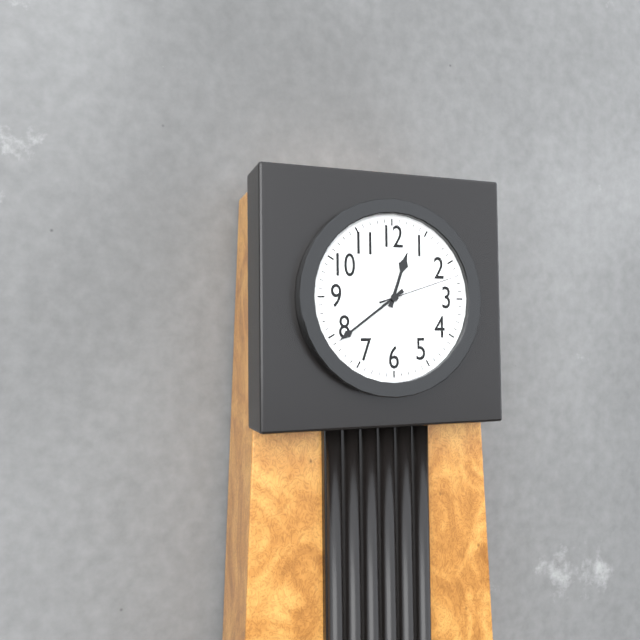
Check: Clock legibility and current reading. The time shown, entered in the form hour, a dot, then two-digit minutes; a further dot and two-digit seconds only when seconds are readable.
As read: 12.39.12
